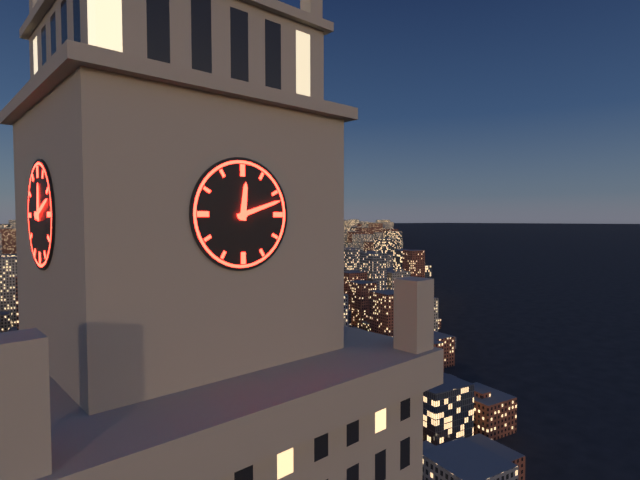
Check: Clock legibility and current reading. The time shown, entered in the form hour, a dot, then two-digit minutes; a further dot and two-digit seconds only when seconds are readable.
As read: 12.12
